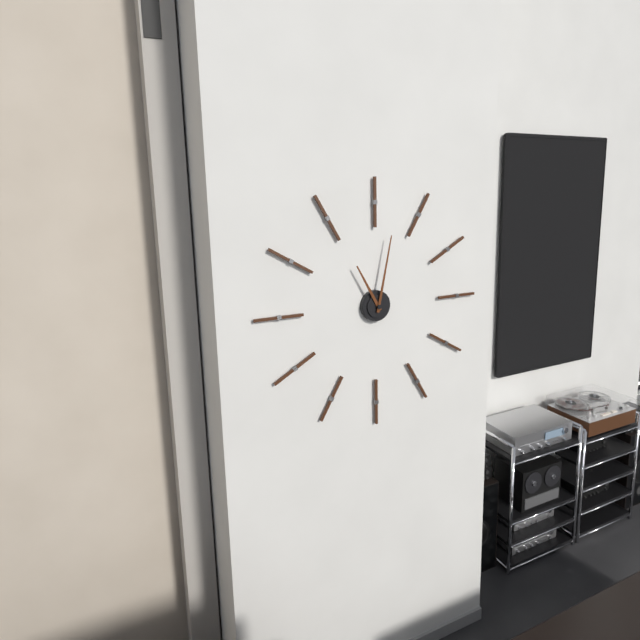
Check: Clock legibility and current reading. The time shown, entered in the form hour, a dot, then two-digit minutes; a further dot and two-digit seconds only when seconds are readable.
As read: 11.02
